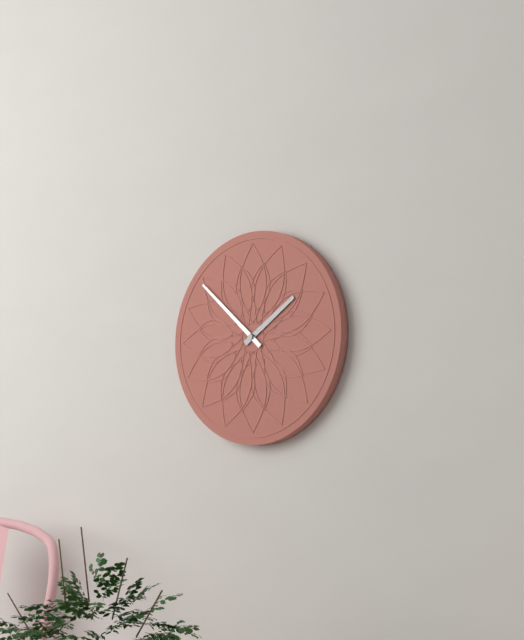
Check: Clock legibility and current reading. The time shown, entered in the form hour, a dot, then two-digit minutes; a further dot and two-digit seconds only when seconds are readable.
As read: 1.52
